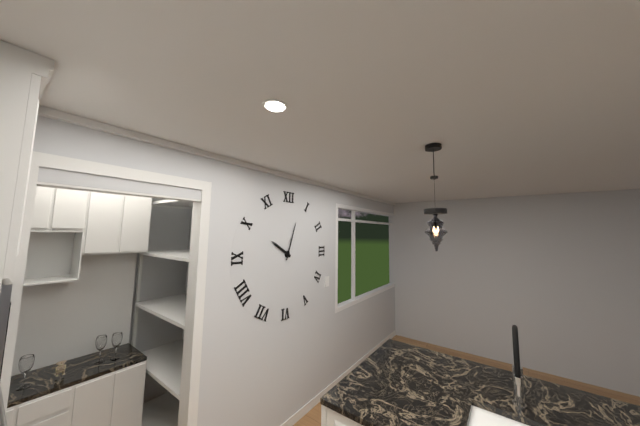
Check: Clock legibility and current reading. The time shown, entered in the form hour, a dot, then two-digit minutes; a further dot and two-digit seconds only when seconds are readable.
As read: 10.03
